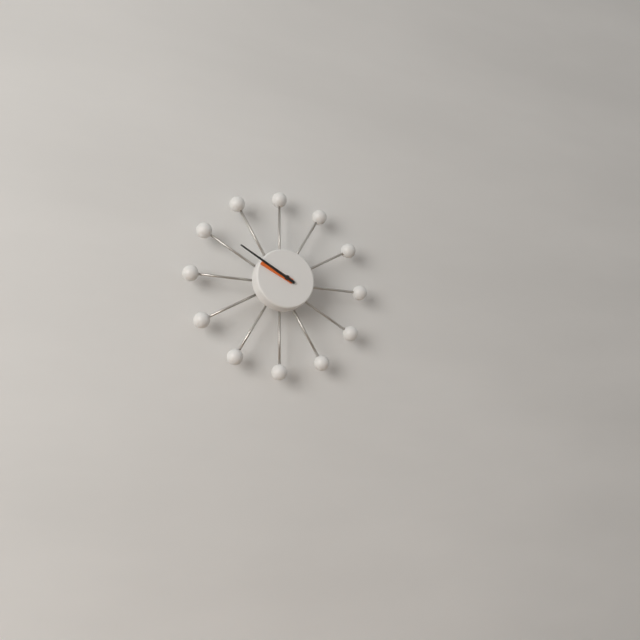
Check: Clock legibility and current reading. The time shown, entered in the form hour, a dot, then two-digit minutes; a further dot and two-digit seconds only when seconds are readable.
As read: 9.50
